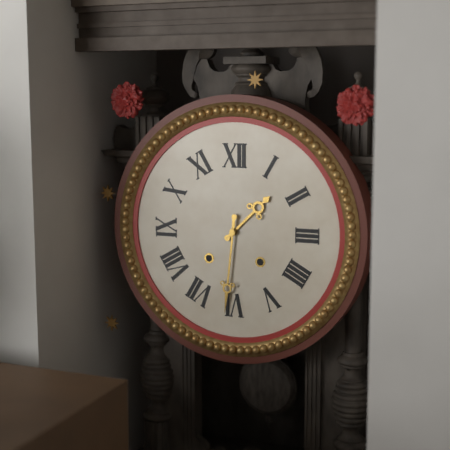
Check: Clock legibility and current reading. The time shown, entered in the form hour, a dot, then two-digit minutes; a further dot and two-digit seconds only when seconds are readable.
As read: 1.31
